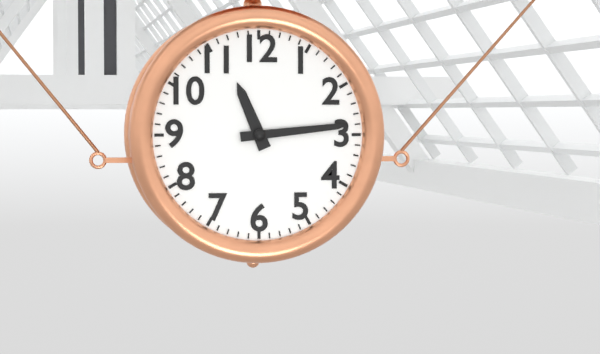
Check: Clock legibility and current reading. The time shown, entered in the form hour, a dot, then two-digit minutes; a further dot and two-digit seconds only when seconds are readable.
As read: 11.14
